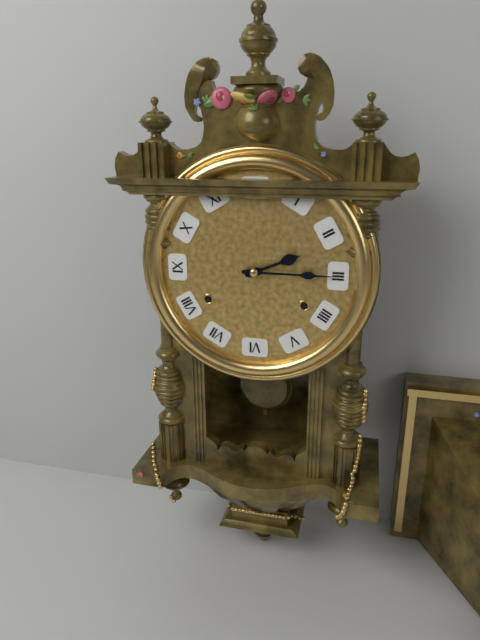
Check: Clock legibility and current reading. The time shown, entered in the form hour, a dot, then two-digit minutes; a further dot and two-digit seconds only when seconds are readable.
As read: 2.15
